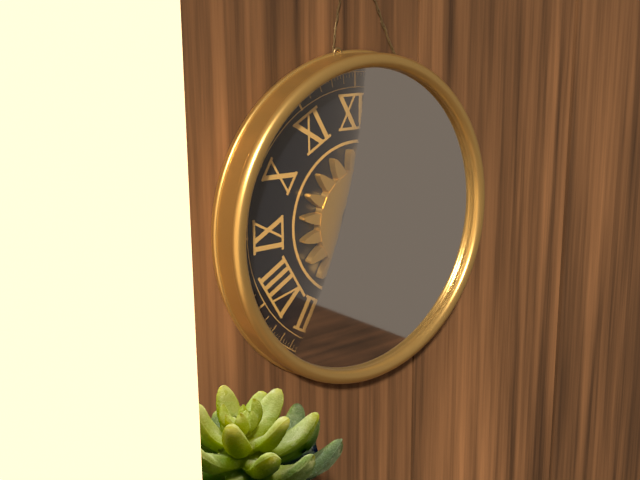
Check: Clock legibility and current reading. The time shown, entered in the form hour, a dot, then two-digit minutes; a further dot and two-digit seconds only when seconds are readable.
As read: 1.14
